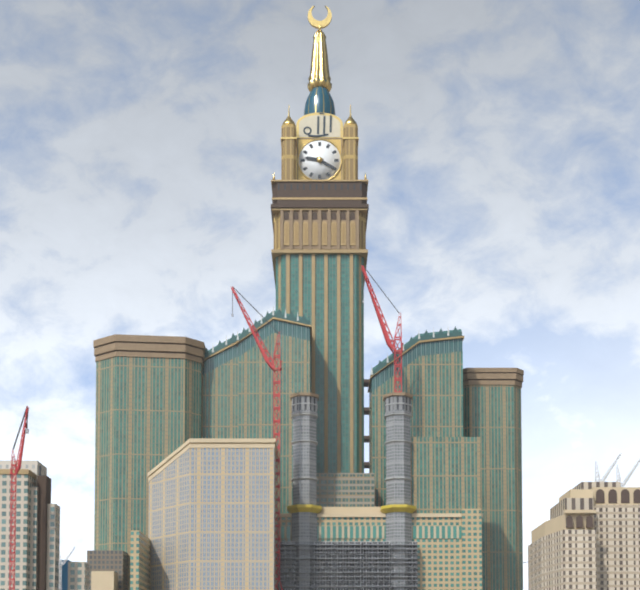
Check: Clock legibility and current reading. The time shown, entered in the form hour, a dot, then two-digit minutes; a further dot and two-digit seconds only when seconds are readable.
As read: 9.20
